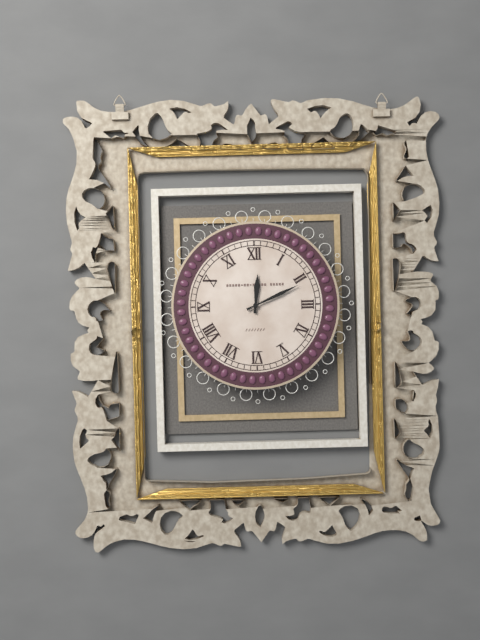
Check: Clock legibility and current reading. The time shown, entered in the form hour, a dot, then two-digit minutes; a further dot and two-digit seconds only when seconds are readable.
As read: 12.11
